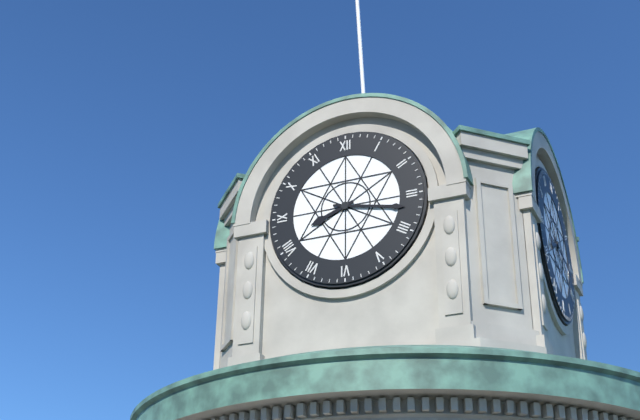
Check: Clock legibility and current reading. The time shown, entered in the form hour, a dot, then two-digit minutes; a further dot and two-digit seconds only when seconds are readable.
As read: 8.17
